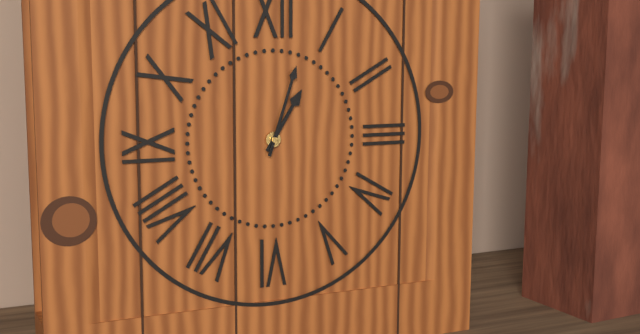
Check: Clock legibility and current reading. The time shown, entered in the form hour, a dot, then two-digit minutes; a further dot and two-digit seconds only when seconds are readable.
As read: 1.03
